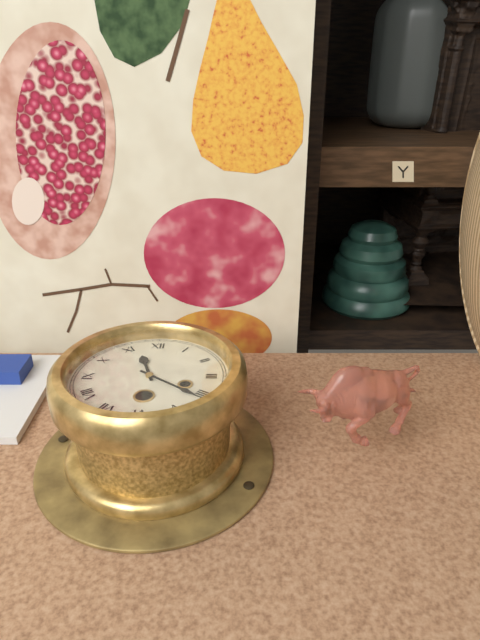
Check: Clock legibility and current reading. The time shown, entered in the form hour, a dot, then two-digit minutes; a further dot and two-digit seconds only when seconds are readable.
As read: 11.21
